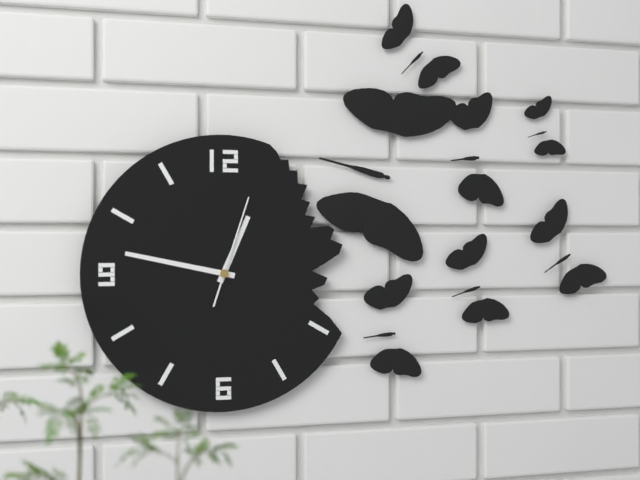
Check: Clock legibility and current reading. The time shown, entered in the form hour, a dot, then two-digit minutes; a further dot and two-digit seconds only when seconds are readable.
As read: 12.47.03
